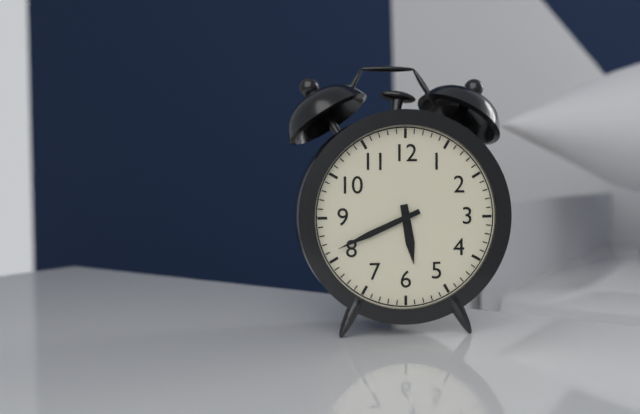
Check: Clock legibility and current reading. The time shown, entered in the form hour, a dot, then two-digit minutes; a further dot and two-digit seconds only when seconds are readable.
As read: 5.41
